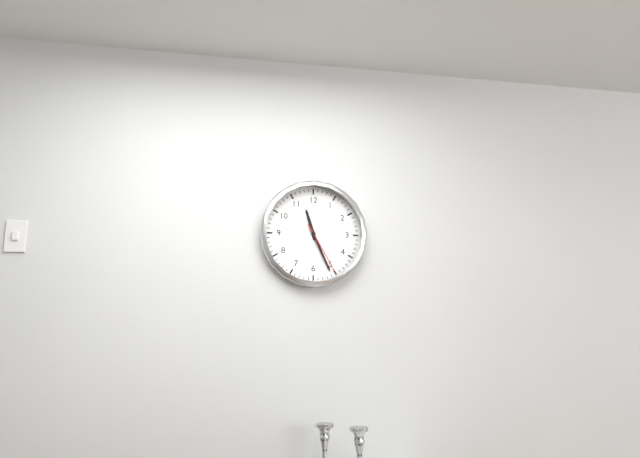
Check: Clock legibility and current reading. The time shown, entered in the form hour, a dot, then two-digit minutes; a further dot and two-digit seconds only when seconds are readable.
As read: 11.26.25
